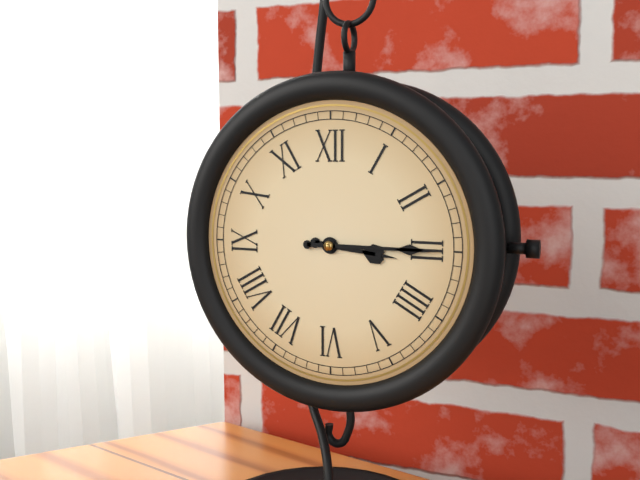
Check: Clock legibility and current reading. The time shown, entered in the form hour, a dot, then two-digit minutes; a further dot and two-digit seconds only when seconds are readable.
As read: 3.15
